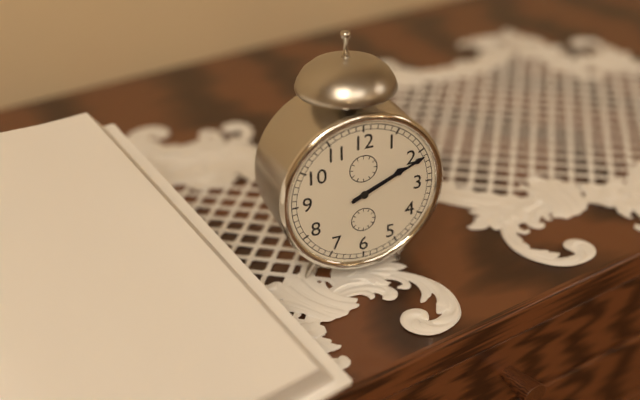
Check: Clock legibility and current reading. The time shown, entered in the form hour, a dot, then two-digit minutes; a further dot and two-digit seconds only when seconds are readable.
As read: 2.11
